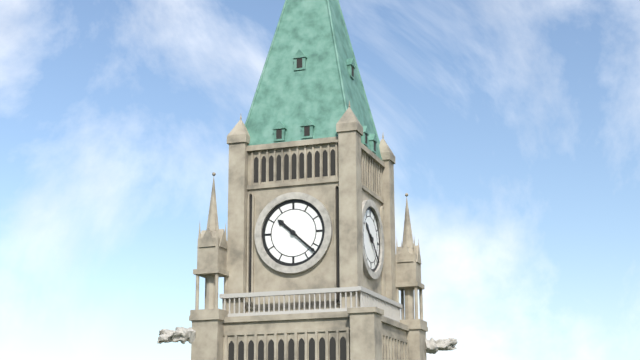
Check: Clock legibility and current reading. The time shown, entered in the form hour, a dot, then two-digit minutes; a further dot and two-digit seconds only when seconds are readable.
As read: 10.22
